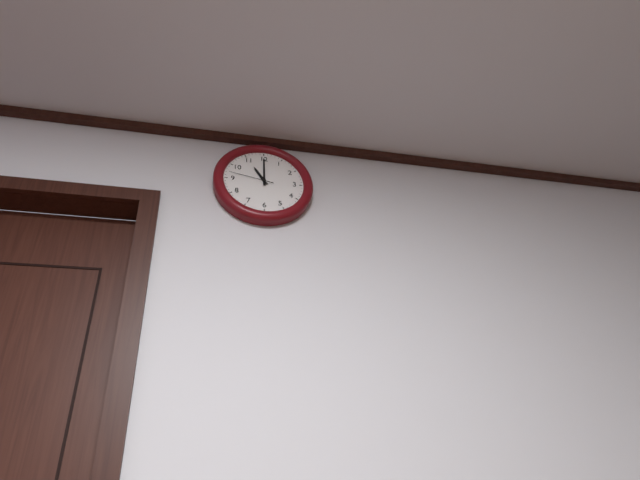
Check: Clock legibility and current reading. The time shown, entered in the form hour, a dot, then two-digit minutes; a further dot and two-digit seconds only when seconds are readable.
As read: 11.00
